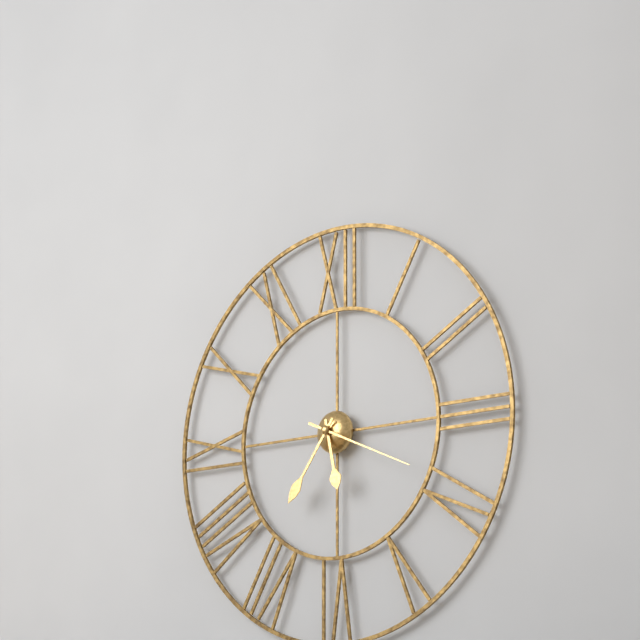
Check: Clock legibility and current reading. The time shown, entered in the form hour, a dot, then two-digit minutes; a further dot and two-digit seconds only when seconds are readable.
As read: 5.36.19
